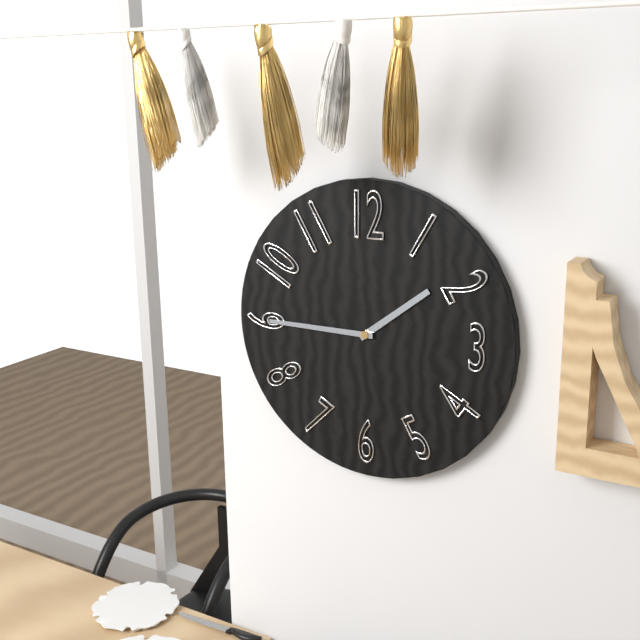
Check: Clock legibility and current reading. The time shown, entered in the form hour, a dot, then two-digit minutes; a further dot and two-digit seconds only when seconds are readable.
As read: 1.45
